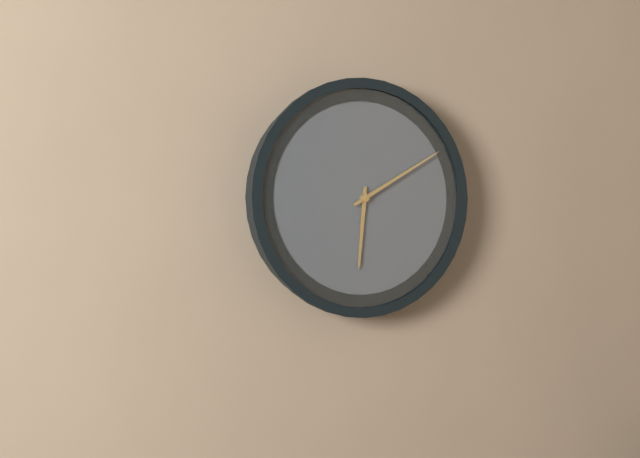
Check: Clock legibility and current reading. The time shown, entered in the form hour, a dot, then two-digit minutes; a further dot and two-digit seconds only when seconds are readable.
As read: 6.10
